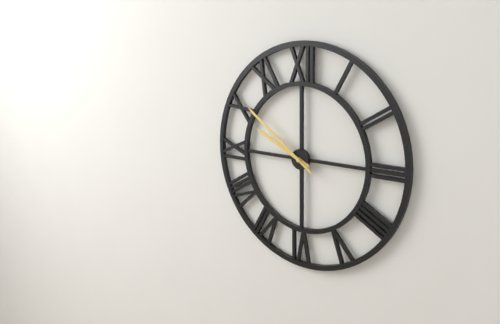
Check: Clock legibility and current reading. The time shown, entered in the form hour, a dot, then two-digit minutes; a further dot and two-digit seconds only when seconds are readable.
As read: 9.51
